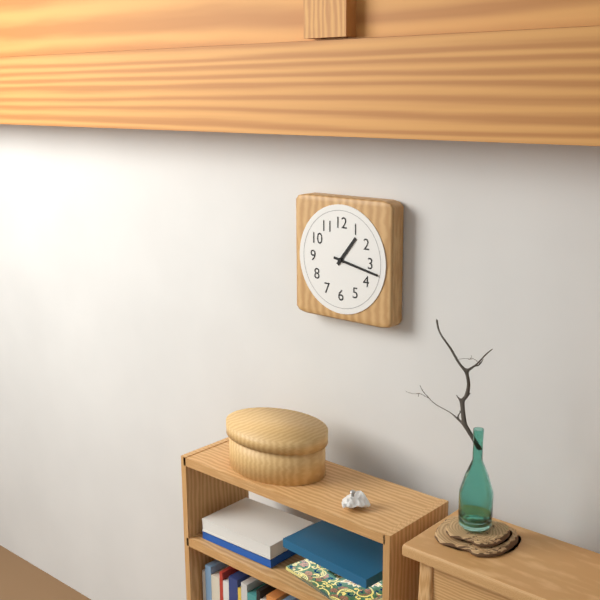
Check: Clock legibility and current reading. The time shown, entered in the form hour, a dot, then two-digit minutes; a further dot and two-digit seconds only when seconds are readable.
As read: 1.17
